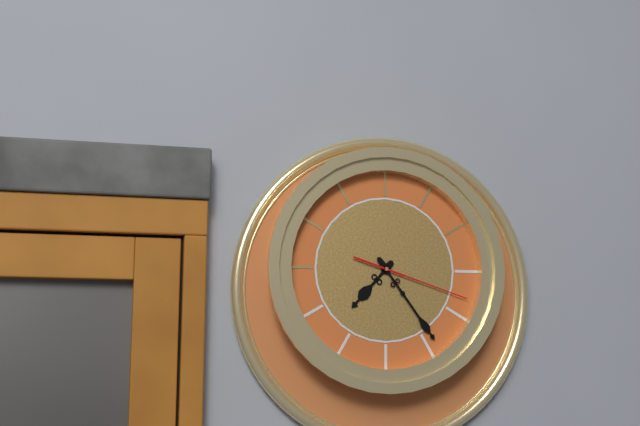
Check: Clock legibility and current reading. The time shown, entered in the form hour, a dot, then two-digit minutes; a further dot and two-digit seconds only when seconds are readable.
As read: 7.24.18
